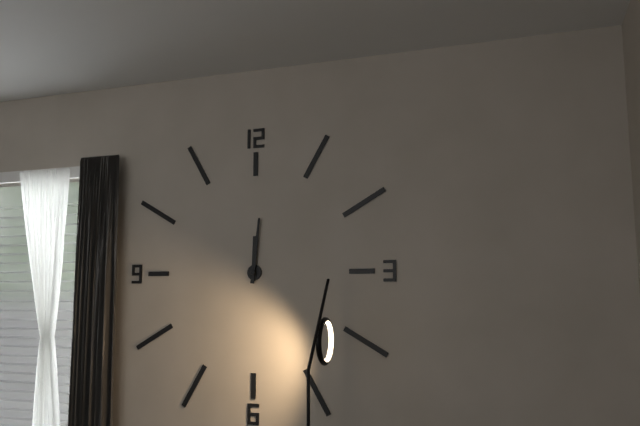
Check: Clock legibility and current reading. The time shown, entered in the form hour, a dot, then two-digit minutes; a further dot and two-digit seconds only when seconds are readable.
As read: 12.01
